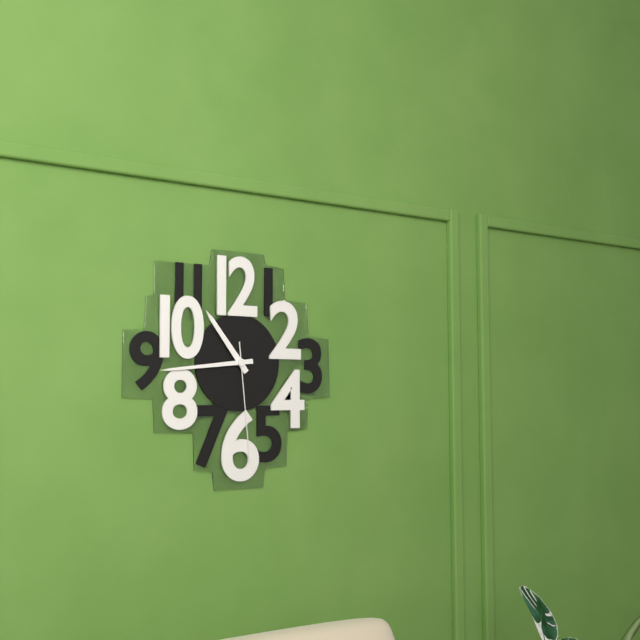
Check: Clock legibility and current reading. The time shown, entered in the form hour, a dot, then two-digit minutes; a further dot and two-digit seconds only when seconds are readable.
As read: 10.44.29
